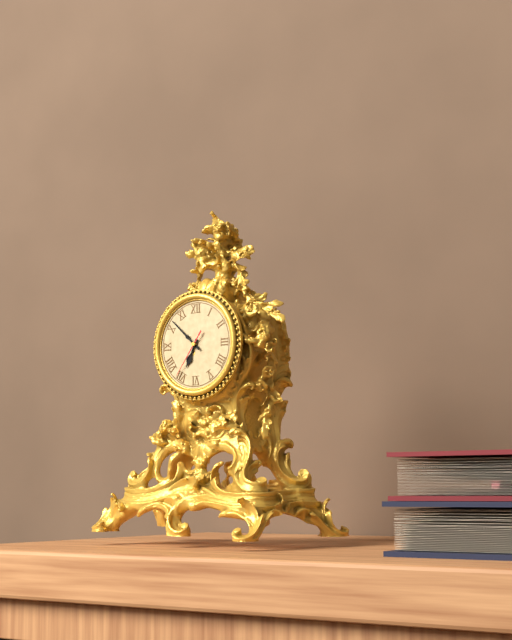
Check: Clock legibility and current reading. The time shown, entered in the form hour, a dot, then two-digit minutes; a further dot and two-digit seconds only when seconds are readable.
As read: 6.52
